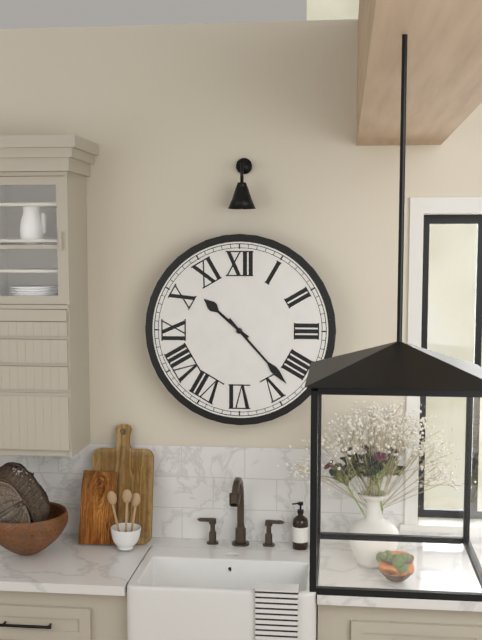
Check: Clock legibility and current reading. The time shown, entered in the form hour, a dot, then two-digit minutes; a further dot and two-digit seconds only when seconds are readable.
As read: 10.23
